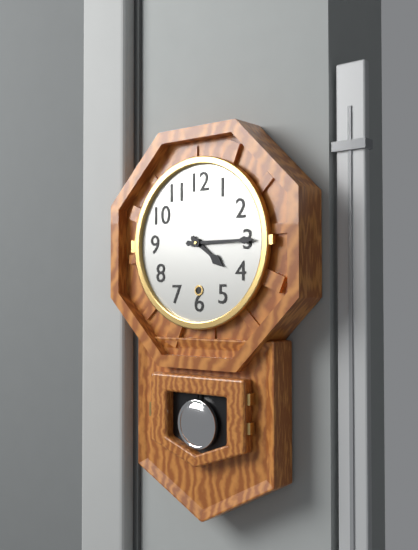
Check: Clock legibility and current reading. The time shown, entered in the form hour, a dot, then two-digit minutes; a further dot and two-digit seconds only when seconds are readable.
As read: 4.15
